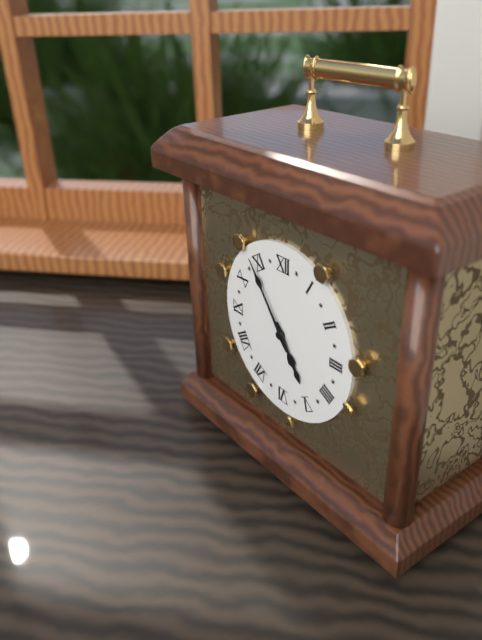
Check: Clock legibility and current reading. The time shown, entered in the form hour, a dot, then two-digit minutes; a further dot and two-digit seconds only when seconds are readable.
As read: 4.54
